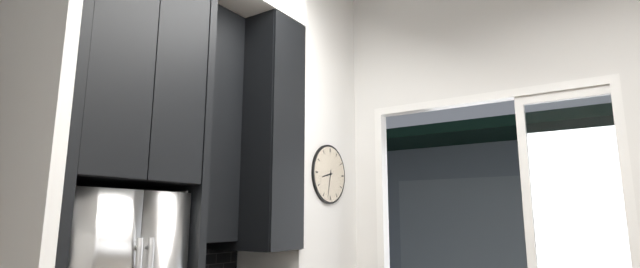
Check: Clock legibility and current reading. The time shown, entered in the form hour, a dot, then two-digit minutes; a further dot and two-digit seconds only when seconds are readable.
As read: 8.32
